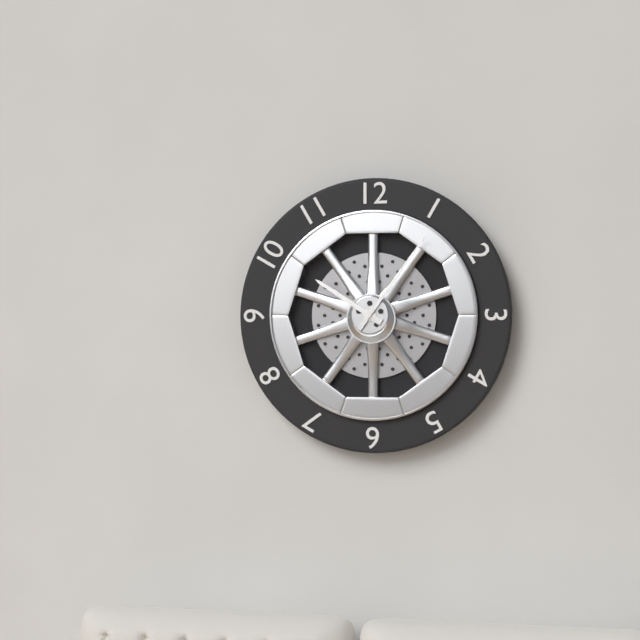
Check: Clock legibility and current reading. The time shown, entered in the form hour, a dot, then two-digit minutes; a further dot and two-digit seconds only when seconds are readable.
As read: 10.06
